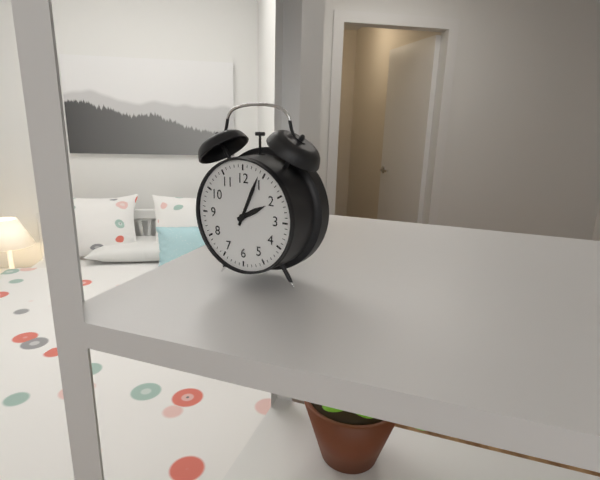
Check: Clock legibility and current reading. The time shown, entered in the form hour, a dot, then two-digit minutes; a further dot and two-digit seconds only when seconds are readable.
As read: 2.04
